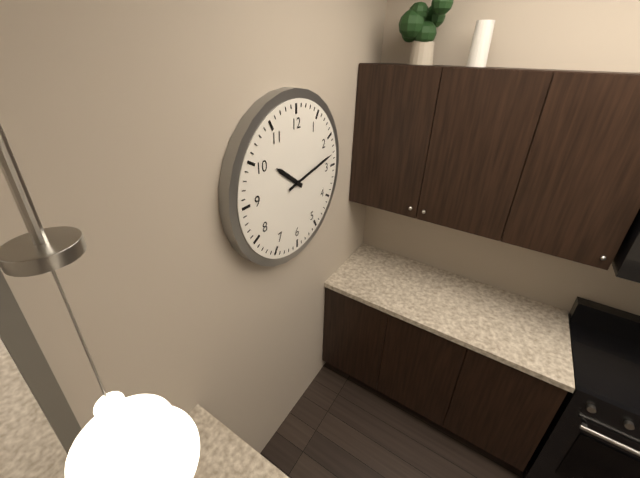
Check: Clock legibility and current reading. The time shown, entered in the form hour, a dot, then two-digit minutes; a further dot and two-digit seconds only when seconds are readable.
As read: 10.13
